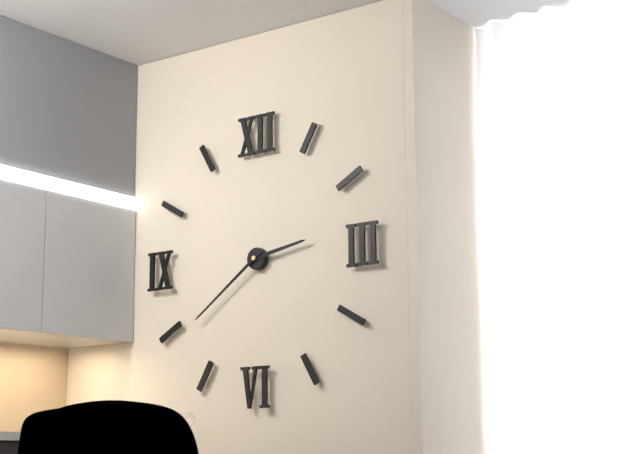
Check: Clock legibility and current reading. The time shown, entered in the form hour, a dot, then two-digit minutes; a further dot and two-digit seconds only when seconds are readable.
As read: 2.39
